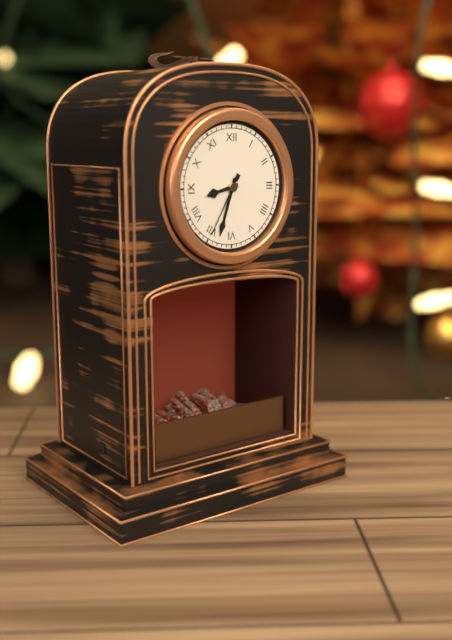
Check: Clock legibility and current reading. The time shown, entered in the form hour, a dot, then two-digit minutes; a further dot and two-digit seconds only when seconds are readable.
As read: 8.33.35
